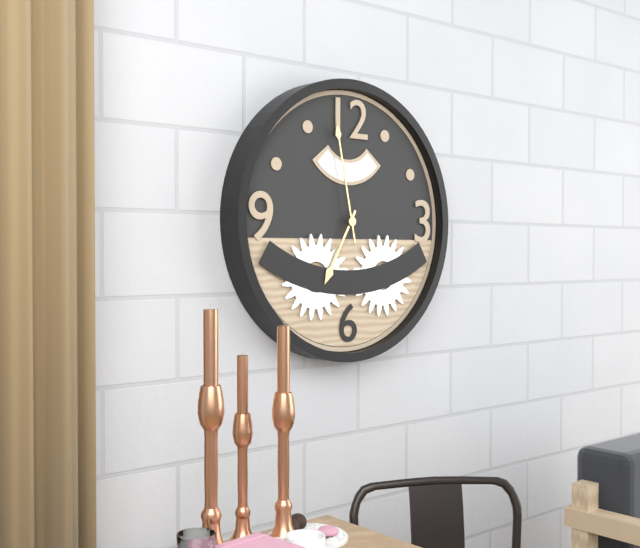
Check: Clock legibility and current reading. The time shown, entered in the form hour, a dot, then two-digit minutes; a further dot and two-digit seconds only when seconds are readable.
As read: 6.58
